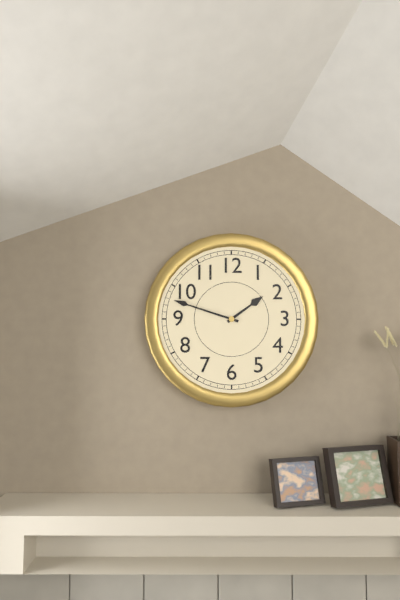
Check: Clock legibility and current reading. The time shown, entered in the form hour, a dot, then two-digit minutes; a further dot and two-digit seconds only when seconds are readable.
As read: 1.48
